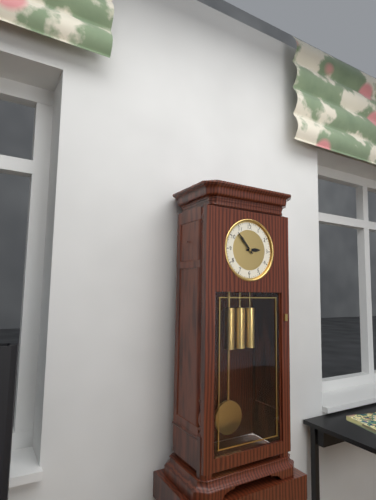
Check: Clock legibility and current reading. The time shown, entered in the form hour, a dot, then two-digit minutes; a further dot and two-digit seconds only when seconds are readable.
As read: 2.53
